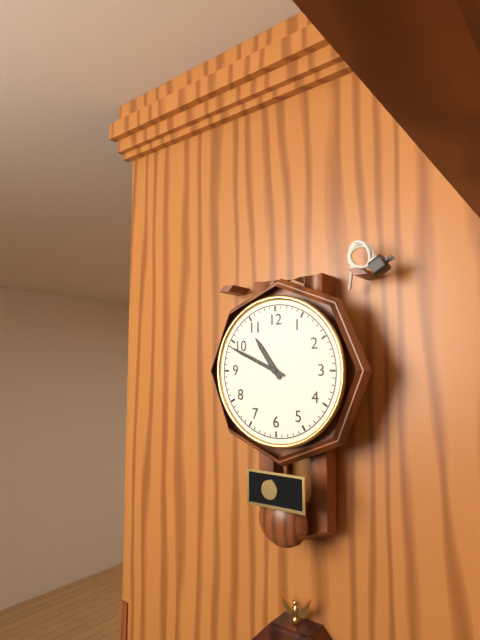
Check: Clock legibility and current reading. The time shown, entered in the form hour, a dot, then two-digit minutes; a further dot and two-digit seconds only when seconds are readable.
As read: 10.49
